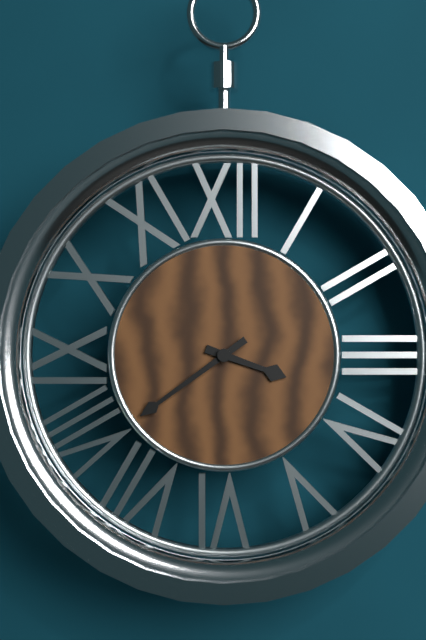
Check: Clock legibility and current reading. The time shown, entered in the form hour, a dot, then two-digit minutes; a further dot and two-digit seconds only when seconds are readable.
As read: 3.39
